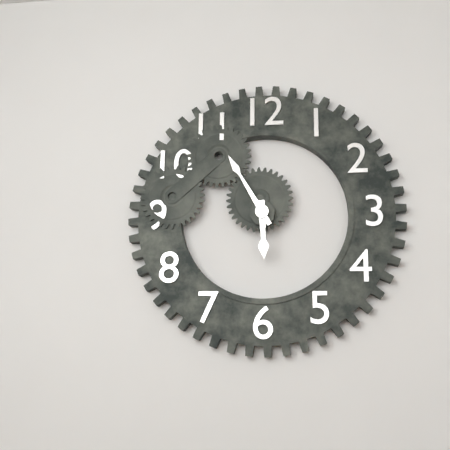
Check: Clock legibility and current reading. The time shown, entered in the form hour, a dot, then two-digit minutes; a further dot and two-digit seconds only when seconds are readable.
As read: 5.55
